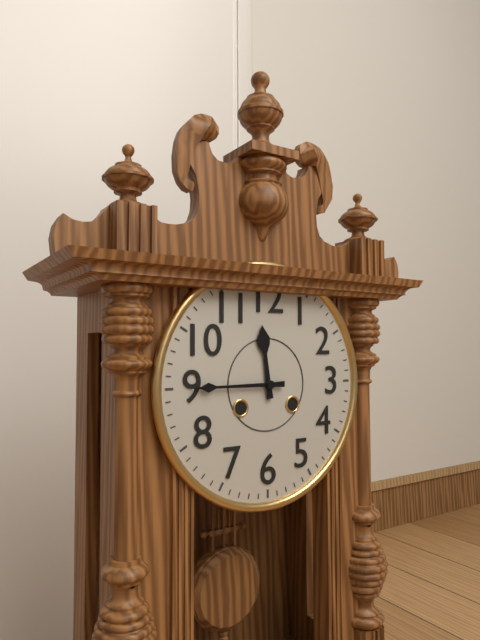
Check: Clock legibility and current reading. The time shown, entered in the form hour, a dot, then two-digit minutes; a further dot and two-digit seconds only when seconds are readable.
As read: 11.45
